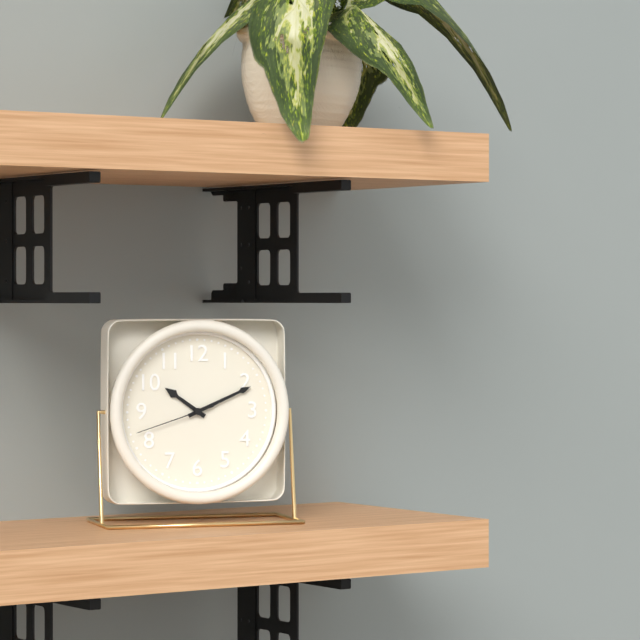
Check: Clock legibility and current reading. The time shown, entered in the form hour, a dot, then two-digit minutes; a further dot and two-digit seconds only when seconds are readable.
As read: 10.11.42
